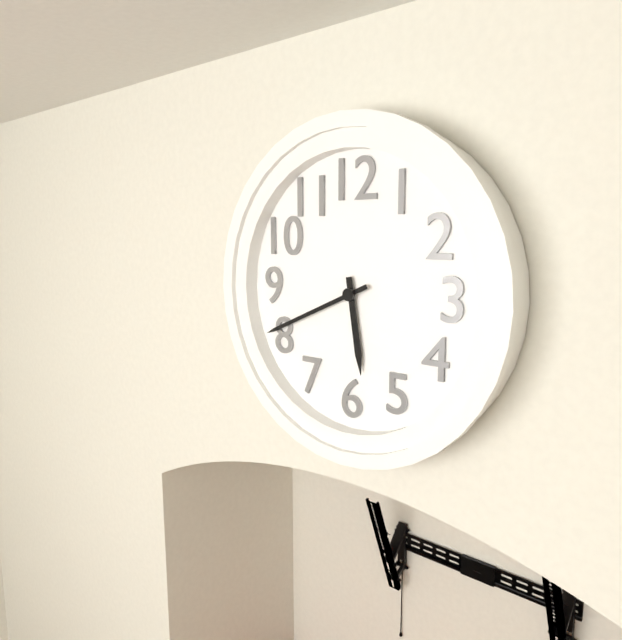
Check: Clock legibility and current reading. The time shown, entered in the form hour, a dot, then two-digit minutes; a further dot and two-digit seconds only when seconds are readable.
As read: 5.41
